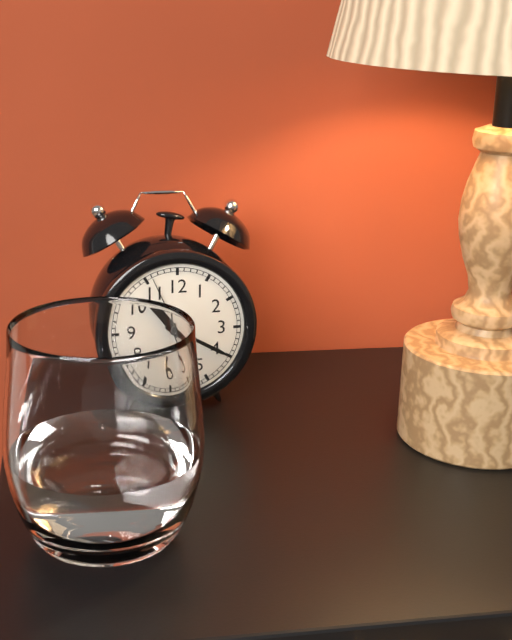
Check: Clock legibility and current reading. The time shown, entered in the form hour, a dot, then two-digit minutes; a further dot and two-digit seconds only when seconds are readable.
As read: 10.20.56
